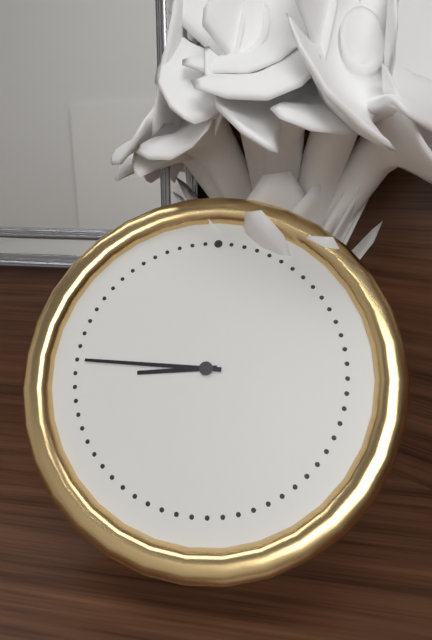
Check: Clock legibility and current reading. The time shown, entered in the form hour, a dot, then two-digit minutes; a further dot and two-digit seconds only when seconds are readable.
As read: 8.45
